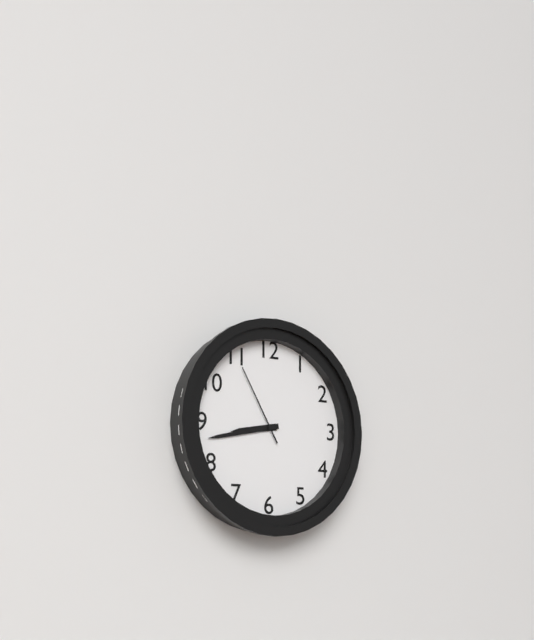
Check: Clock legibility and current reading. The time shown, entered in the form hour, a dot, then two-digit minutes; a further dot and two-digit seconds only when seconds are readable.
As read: 8.43.55
